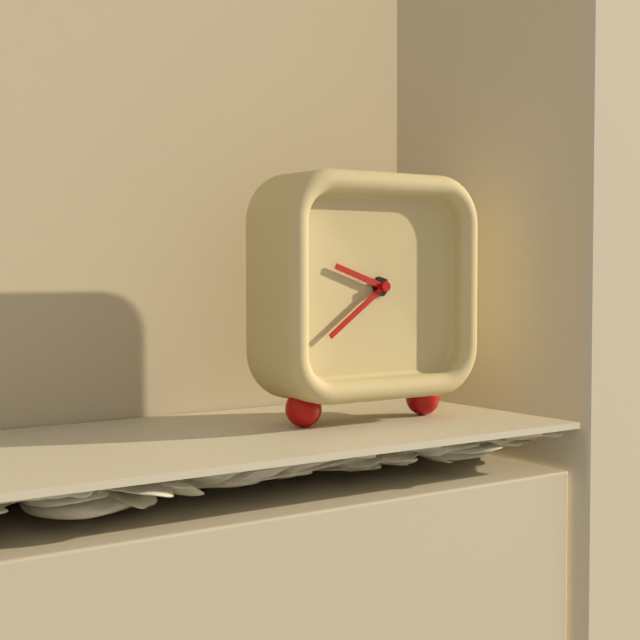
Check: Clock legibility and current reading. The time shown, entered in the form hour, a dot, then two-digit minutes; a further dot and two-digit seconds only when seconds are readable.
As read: 9.39
